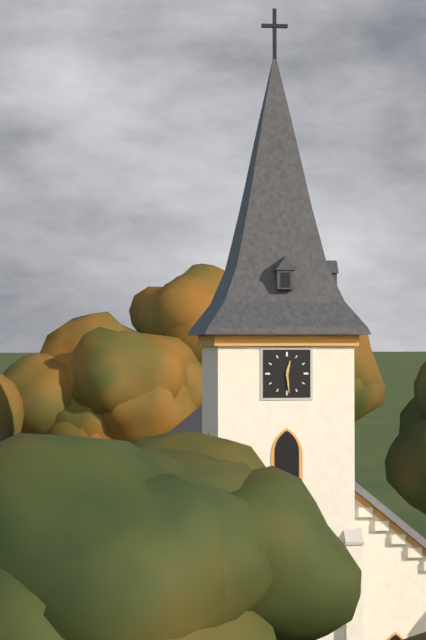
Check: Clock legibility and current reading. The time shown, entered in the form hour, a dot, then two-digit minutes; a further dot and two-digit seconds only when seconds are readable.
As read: 12.29
